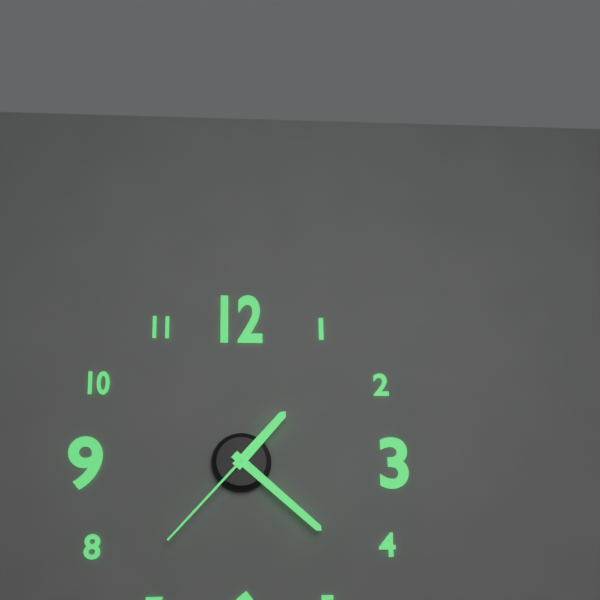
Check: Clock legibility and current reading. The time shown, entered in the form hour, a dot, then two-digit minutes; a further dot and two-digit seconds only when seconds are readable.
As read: 1.22.37
